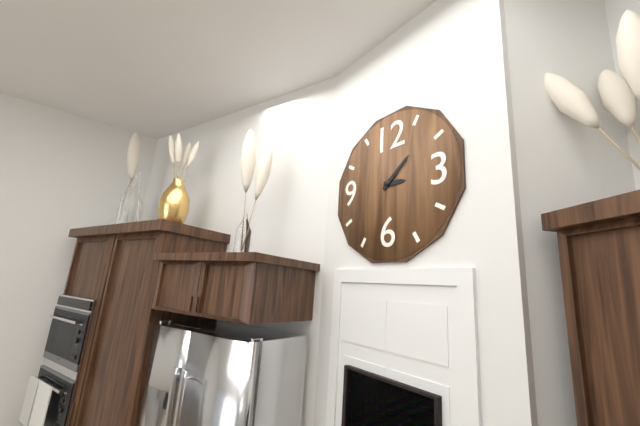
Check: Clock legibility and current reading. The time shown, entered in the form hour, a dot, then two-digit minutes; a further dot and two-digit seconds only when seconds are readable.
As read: 3.08
